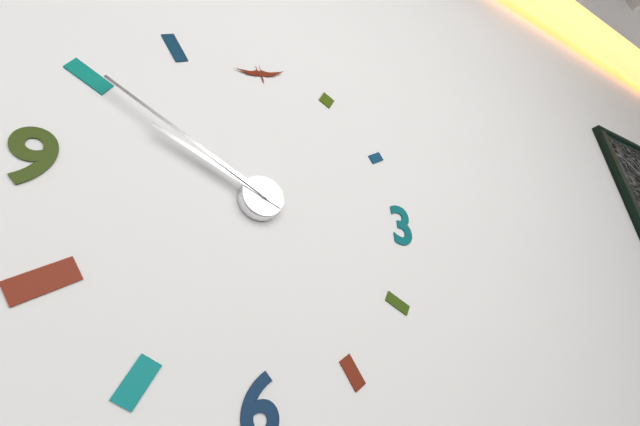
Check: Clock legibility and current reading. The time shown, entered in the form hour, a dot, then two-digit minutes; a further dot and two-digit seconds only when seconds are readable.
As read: 9.50
